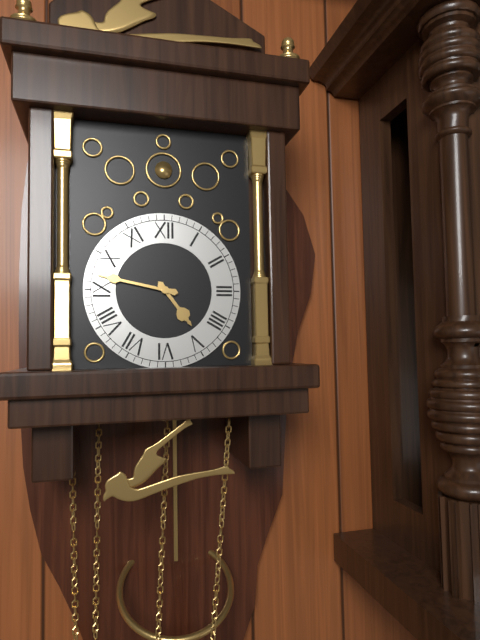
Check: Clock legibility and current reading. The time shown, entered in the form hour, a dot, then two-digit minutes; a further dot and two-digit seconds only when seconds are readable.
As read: 4.47
